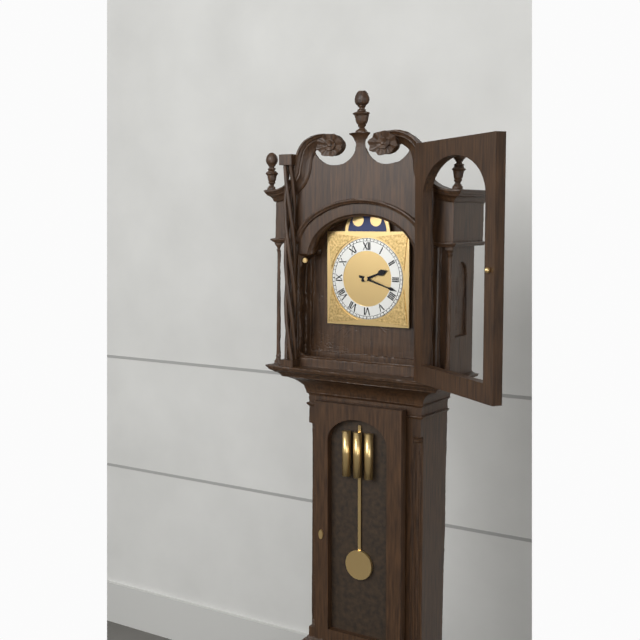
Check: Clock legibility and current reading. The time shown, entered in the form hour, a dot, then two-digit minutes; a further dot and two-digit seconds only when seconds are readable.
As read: 2.18
